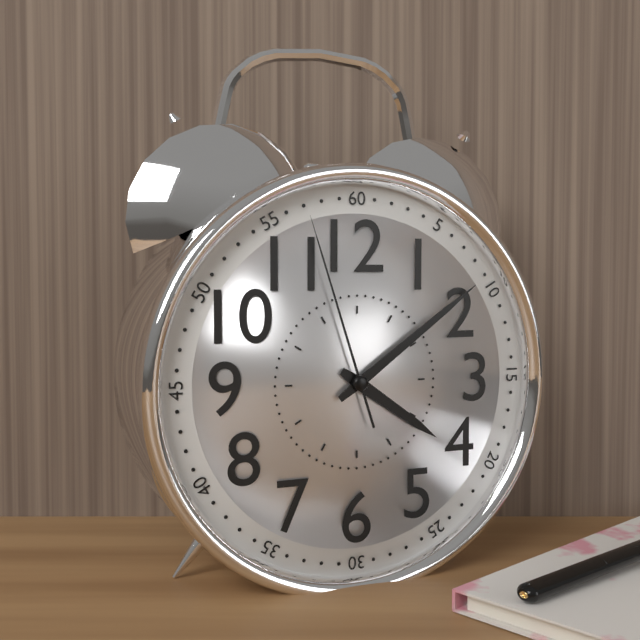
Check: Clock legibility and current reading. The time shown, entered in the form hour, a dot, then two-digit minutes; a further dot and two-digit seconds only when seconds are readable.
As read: 4.09.57
